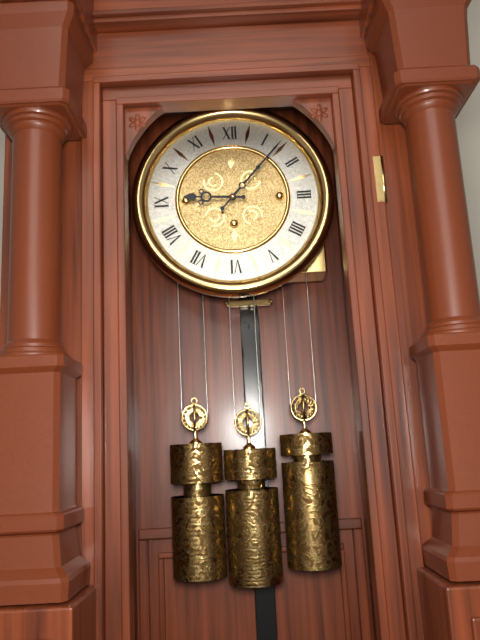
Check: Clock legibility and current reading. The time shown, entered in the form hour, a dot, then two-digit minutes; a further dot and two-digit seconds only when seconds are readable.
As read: 9.07
